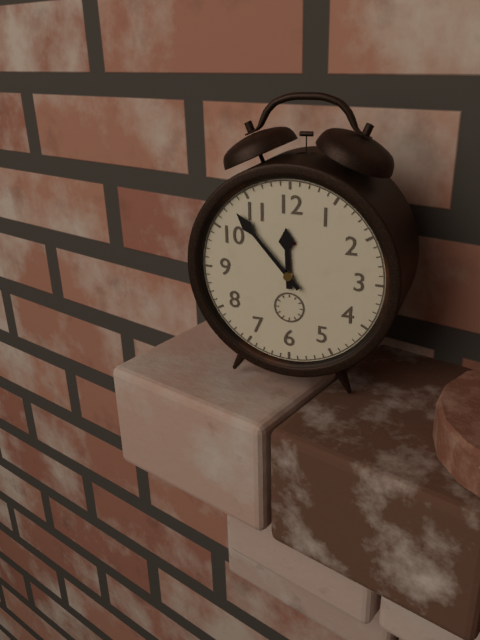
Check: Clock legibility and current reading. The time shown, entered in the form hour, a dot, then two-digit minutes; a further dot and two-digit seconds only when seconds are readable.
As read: 11.53
